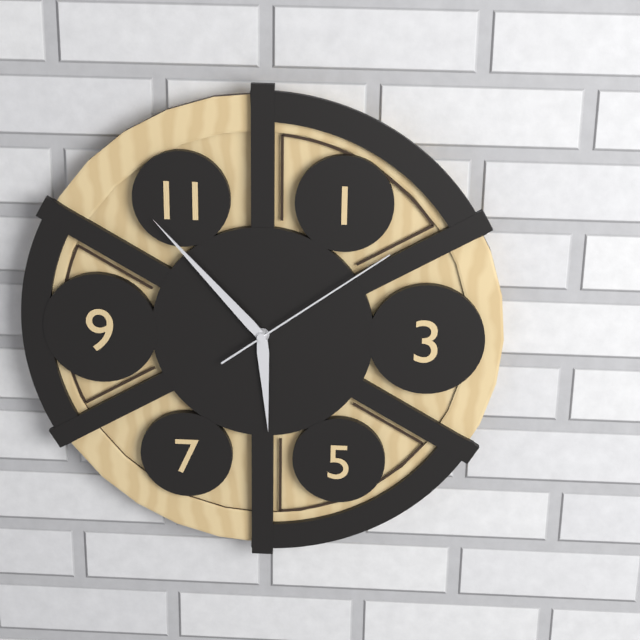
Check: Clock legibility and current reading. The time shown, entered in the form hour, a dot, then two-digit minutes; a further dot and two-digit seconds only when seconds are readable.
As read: 5.53.09
